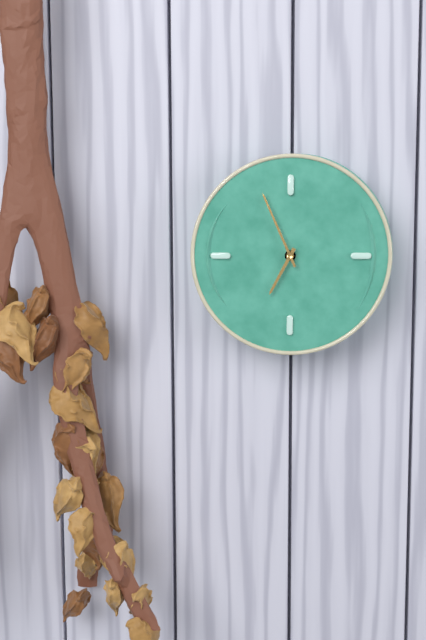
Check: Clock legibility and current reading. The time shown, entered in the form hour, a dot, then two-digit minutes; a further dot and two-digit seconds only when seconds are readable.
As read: 6.56
